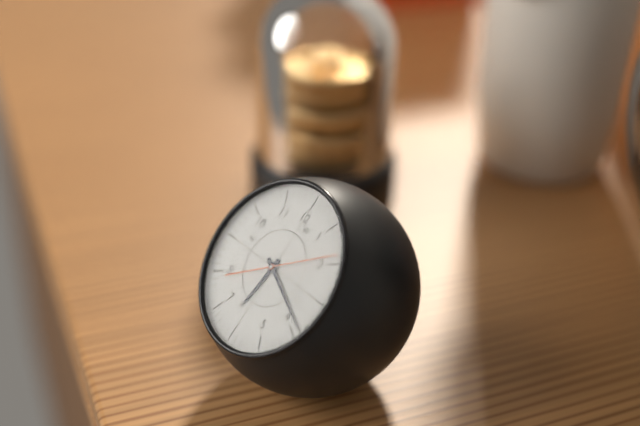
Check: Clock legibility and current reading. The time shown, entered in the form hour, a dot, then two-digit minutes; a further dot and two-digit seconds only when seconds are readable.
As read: 6.19.09
